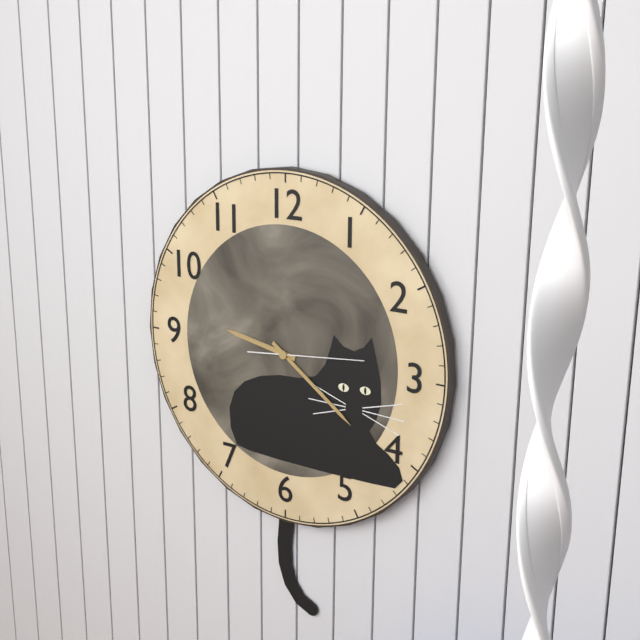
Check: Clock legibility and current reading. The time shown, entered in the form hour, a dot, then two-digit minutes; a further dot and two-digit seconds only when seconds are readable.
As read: 9.21.14
